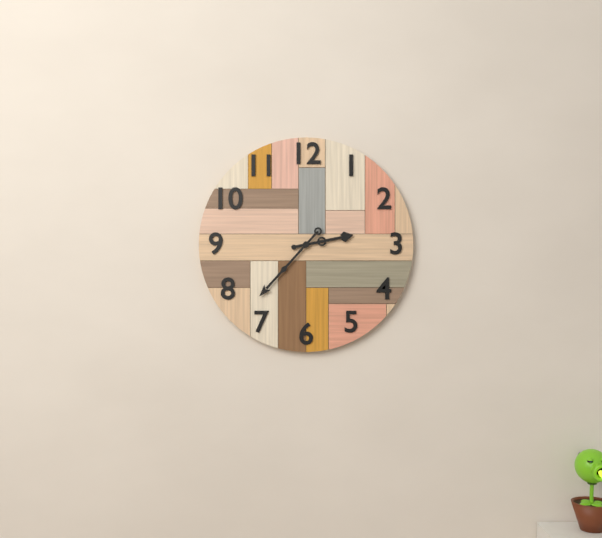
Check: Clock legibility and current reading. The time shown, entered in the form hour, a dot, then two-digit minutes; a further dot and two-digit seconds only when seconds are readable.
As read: 2.37
